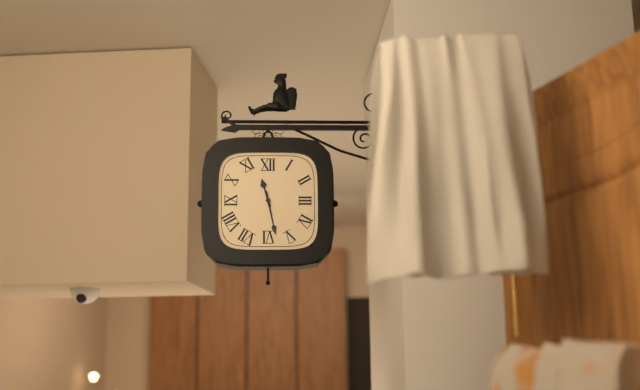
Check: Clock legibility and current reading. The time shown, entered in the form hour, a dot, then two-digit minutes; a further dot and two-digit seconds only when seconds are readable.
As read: 11.28
